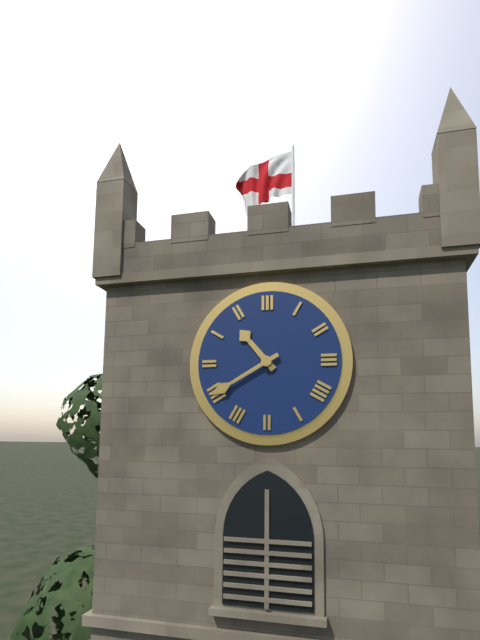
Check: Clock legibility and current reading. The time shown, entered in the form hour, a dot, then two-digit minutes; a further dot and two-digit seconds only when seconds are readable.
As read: 10.40
